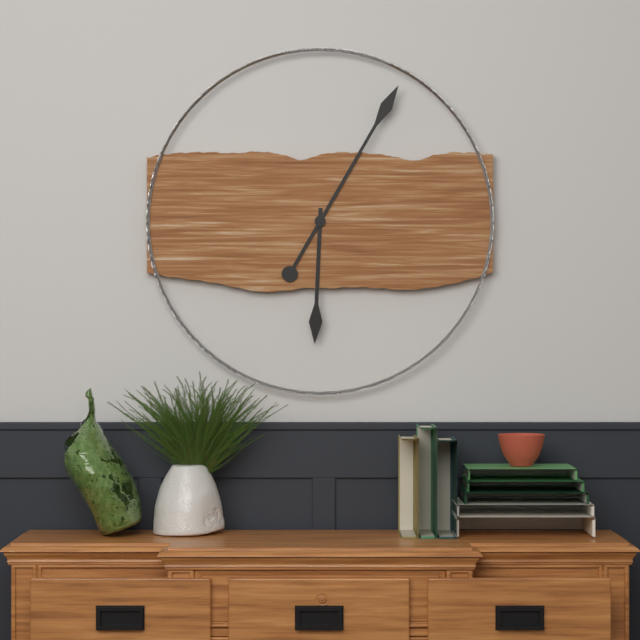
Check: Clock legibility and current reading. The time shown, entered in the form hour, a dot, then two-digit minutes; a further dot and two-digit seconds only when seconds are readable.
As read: 6.05
